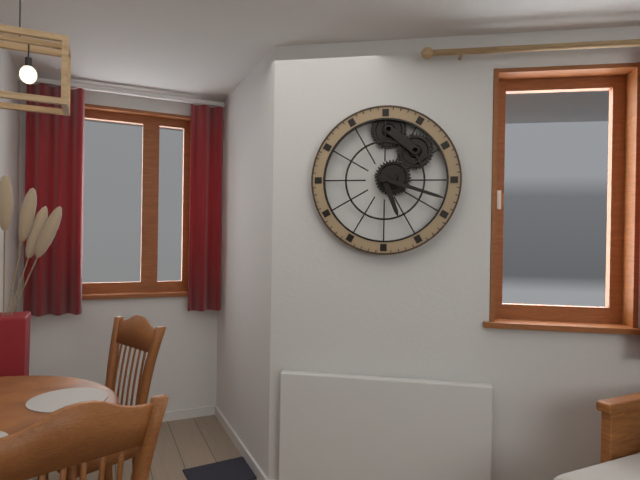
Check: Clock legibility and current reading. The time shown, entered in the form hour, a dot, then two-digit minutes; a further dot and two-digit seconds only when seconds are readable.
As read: 5.18
